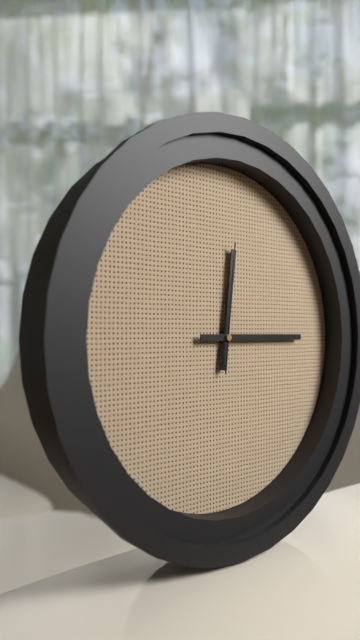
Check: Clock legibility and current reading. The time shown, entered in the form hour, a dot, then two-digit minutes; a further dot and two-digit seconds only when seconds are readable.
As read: 12.15.01
